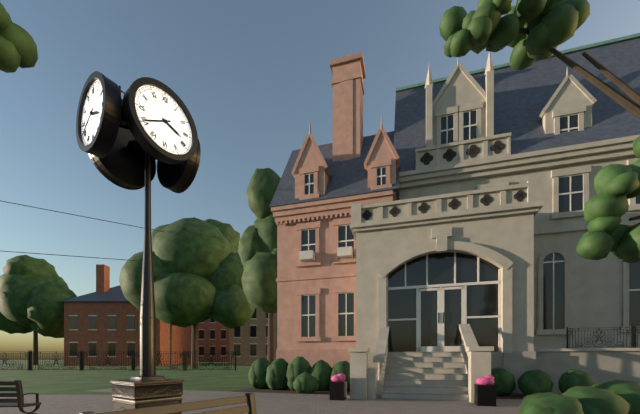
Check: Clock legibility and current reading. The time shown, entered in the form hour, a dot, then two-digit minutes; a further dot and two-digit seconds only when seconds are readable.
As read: 3.40
